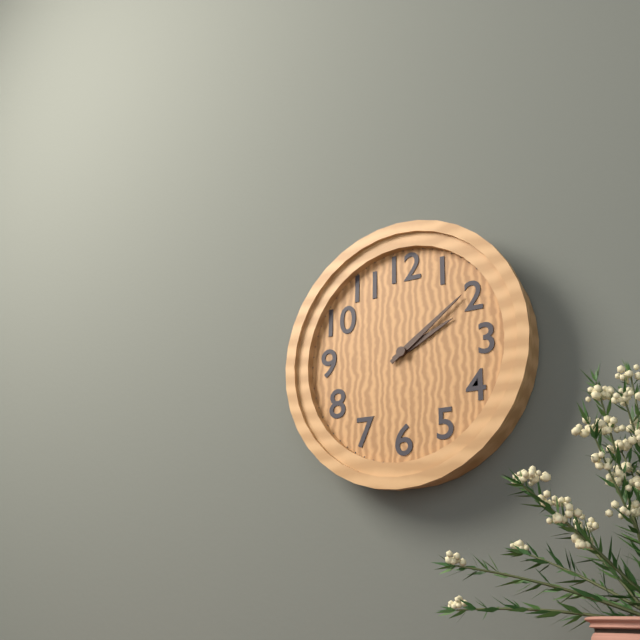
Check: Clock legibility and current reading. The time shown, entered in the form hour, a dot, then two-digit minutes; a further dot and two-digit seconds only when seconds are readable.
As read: 2.09
